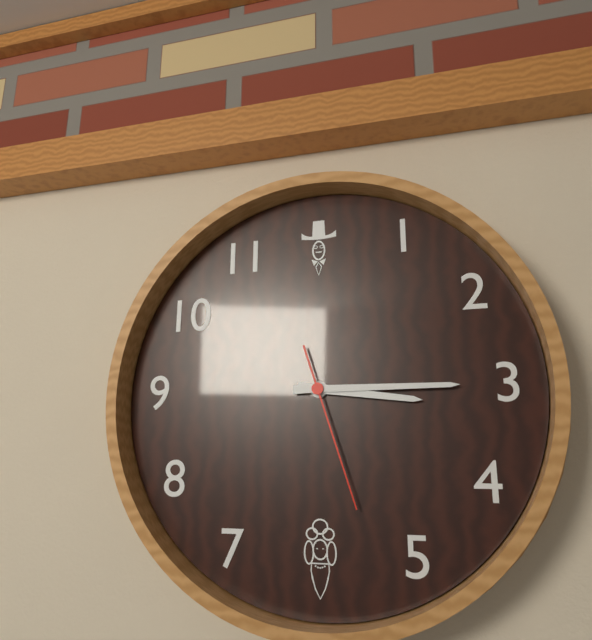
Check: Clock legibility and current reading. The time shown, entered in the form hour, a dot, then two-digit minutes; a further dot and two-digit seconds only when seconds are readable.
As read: 3.15.27
